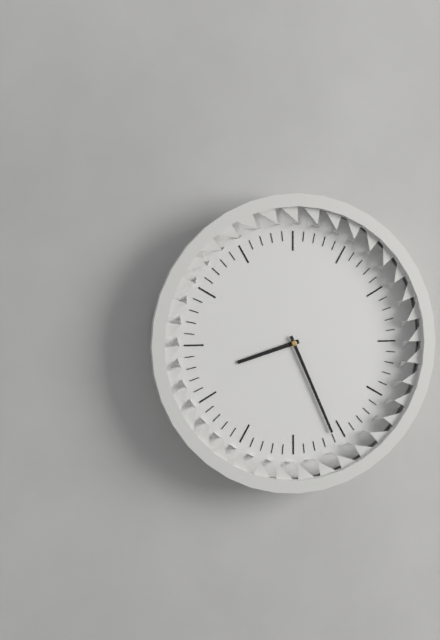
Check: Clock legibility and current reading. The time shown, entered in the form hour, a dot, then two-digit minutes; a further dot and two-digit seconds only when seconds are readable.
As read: 8.26
